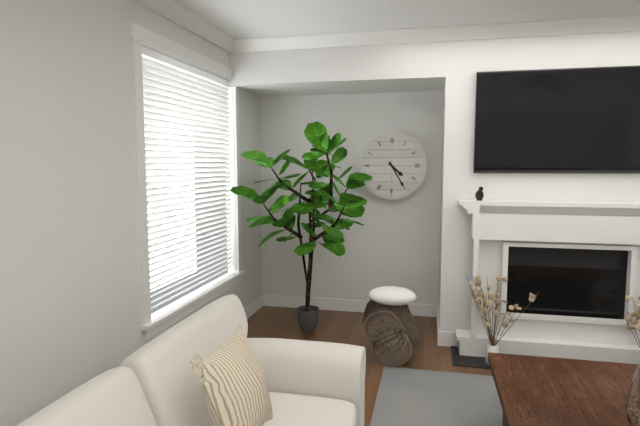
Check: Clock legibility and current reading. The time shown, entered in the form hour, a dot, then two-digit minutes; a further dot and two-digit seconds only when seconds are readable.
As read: 4.25
